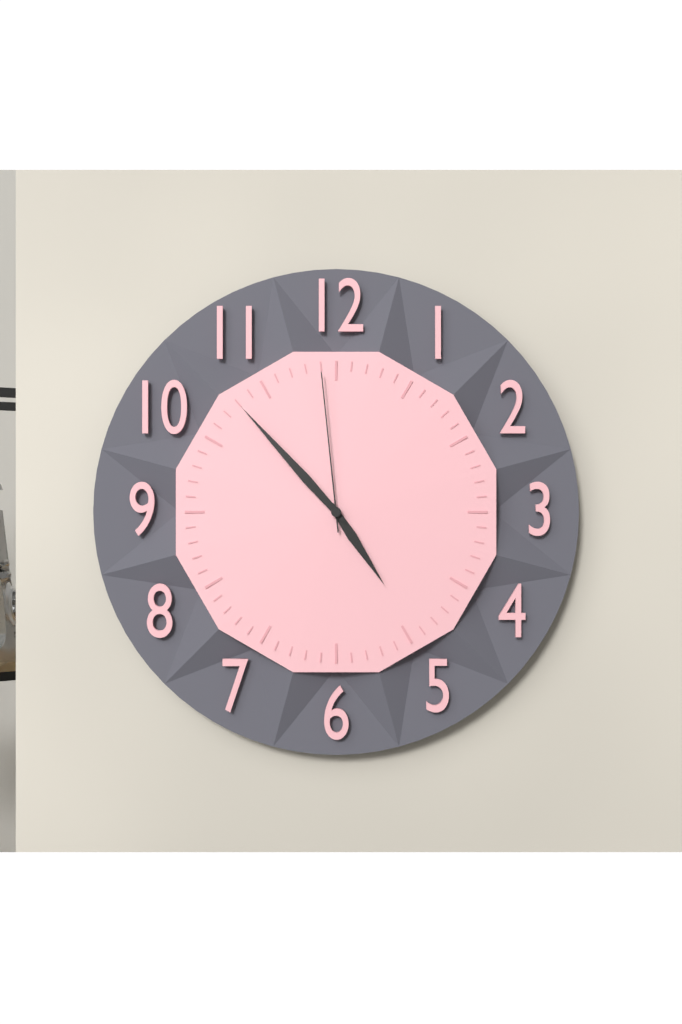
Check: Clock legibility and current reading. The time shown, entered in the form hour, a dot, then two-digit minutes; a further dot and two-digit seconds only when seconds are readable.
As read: 4.53.59
